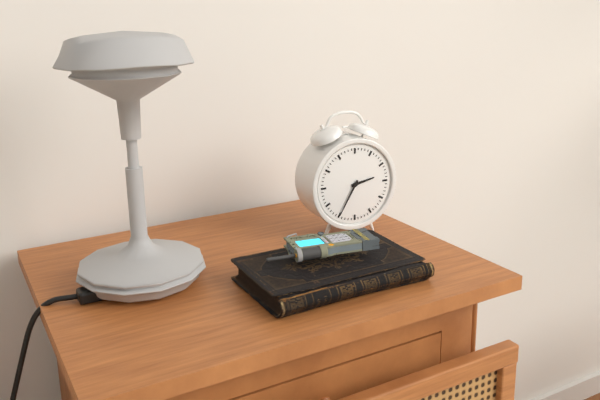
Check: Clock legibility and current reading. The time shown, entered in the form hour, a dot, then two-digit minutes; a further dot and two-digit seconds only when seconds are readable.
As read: 2.35
